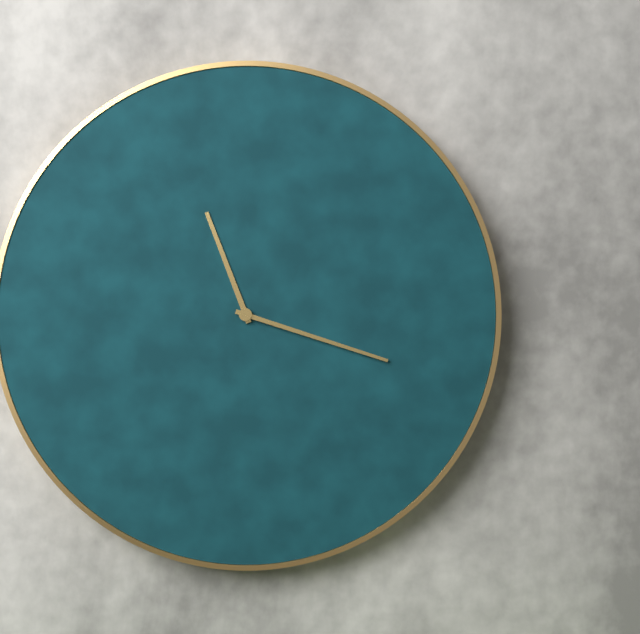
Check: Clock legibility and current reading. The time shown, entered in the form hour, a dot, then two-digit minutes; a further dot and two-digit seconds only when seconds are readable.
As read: 11.18
